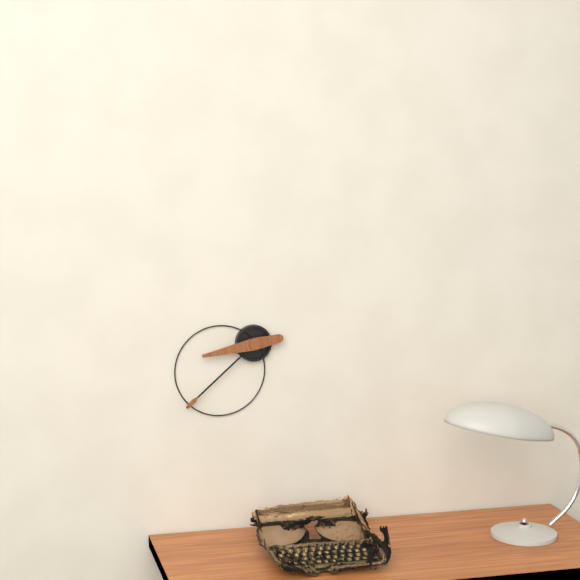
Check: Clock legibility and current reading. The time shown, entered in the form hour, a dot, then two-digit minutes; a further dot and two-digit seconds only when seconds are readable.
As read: 8.38
